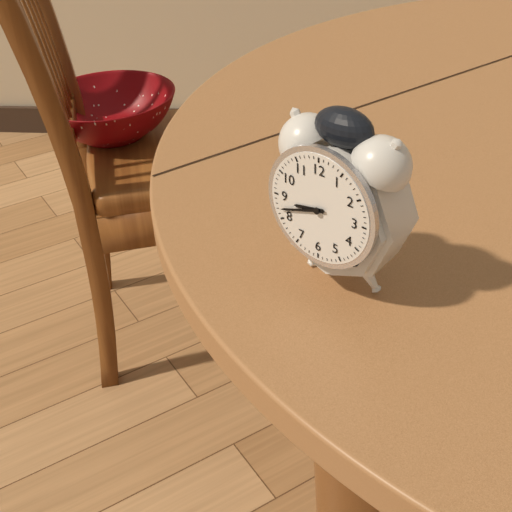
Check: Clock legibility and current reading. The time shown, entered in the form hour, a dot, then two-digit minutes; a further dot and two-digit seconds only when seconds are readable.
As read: 8.42
